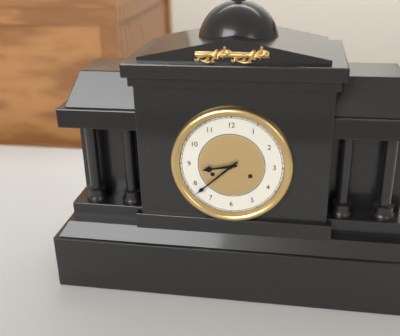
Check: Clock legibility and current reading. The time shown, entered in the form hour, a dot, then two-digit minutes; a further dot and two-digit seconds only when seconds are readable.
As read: 8.38
